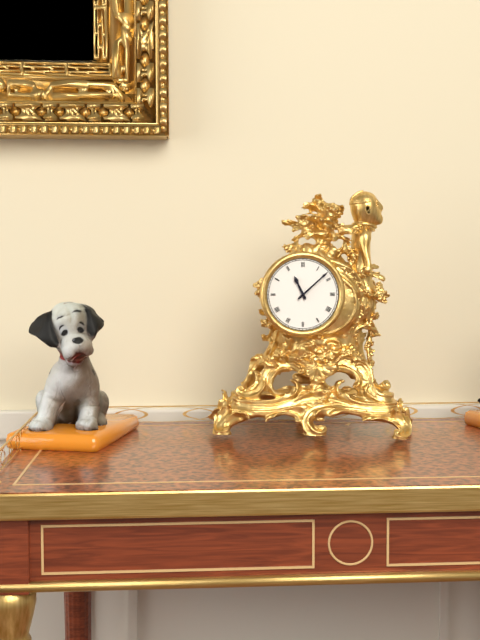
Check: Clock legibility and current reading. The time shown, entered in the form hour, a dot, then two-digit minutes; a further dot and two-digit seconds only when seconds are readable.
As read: 11.08
